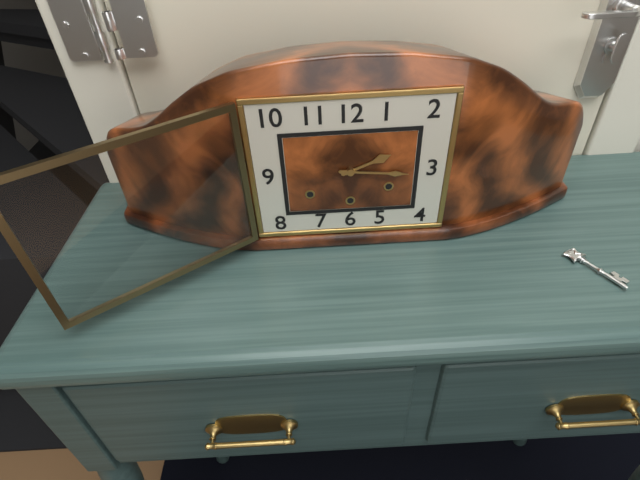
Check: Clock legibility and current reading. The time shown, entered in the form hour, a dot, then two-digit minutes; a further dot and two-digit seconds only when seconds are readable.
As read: 2.16
